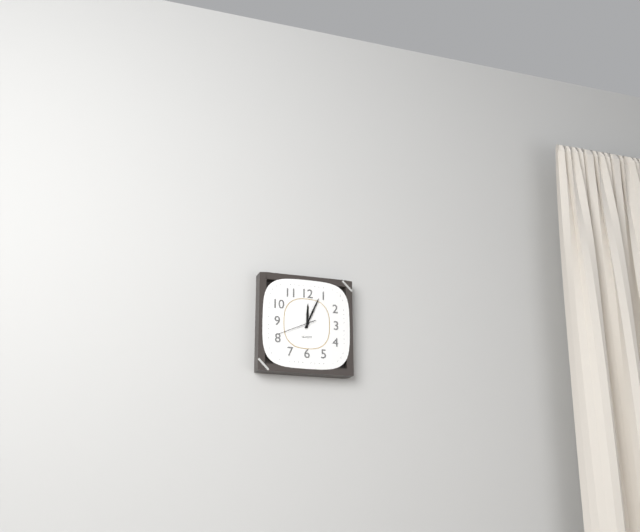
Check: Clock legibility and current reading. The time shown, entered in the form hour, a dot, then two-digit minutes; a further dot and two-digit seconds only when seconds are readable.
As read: 12.04
